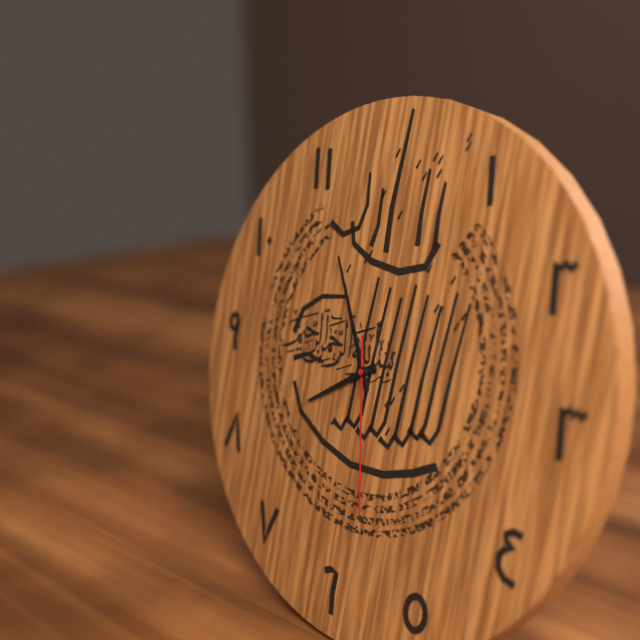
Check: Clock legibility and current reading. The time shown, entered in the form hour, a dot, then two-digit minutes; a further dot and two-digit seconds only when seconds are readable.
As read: 7.55.28
